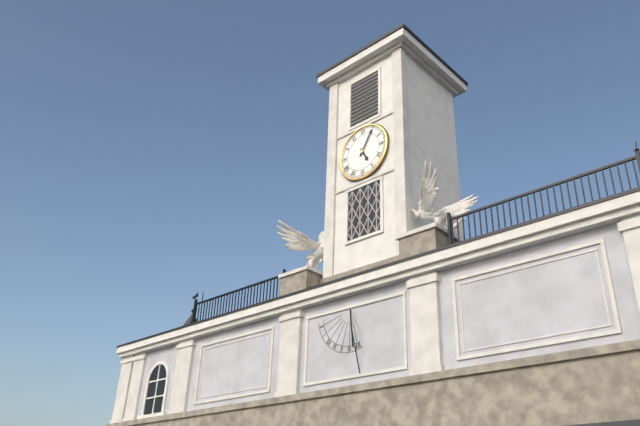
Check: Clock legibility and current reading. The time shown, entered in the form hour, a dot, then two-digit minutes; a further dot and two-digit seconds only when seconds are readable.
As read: 5.05
